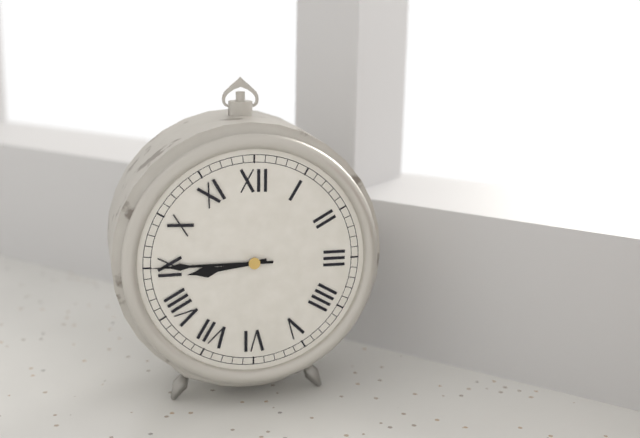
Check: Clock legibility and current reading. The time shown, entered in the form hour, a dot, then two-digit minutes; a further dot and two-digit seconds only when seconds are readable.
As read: 8.45
